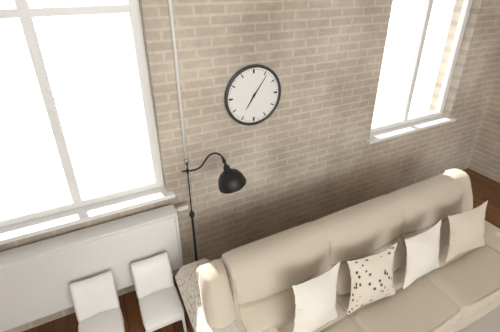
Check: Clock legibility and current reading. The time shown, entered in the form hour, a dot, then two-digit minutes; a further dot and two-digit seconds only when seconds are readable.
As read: 7.06
